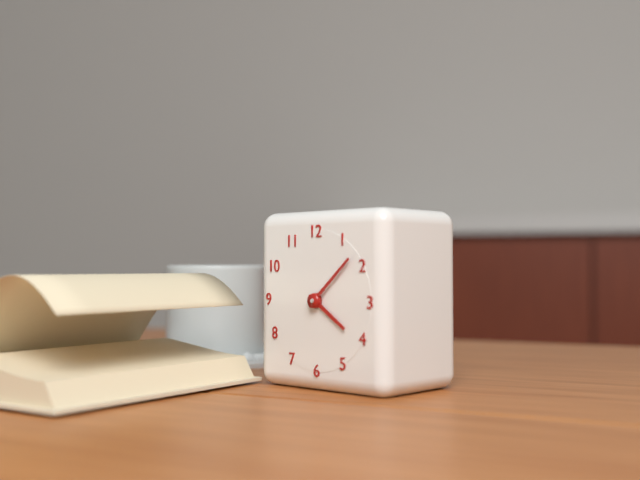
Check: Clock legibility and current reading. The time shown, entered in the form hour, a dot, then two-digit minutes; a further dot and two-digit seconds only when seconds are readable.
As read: 4.08
